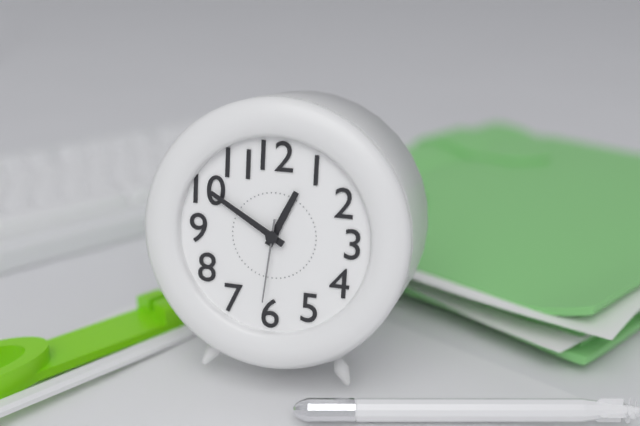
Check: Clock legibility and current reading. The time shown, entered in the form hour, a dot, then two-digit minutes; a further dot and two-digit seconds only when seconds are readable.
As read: 12.50.31
